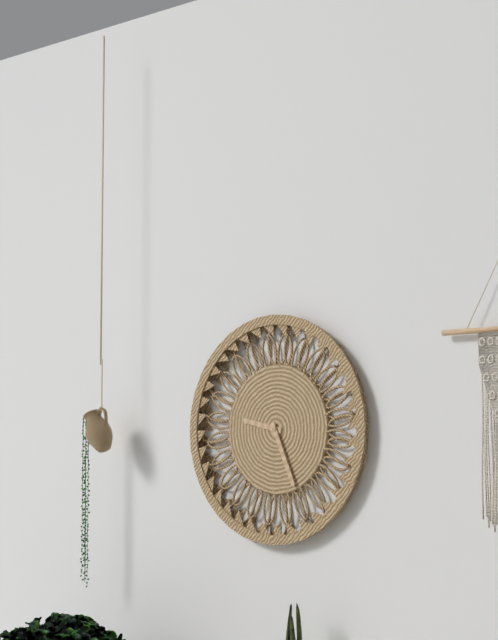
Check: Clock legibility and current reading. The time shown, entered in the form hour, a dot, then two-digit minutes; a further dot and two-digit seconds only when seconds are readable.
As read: 9.26
